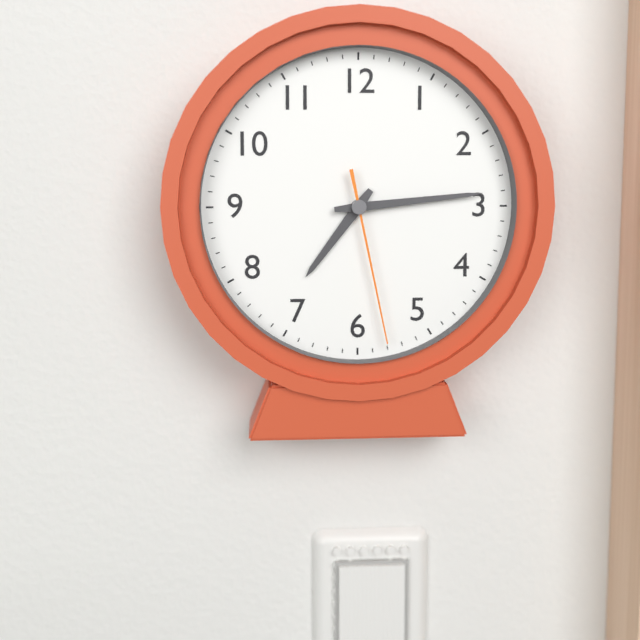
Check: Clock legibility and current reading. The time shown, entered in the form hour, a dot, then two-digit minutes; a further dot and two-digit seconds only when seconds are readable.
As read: 7.14.28
